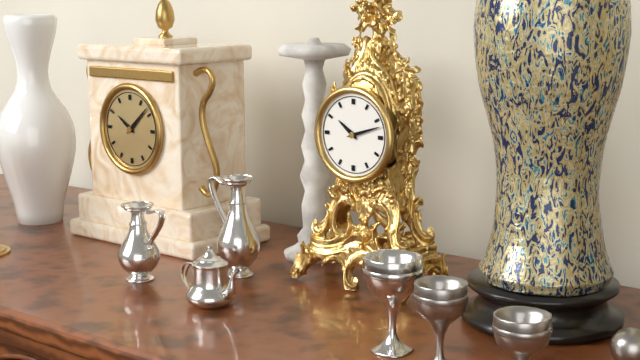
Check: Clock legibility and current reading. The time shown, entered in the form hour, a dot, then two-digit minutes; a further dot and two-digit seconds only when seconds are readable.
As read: 10.12
